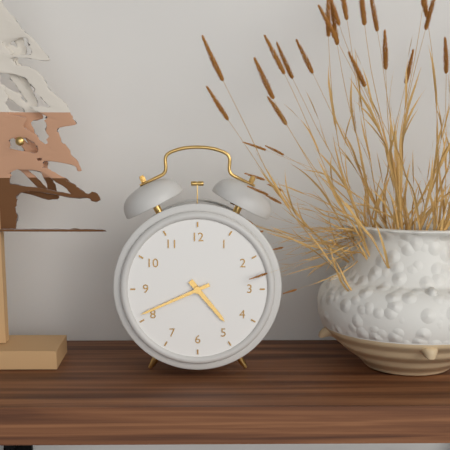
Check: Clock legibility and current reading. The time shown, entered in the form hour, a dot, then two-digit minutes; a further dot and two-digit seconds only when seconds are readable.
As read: 4.41
